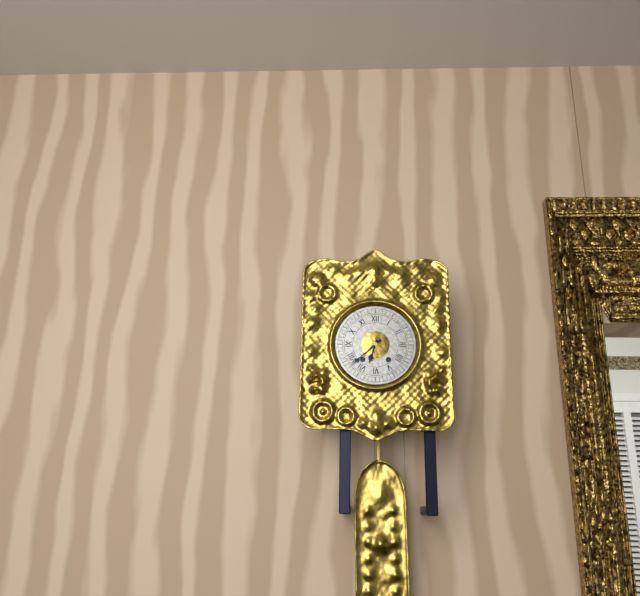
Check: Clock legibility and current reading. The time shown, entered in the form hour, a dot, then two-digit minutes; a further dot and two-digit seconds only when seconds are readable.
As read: 6.38
